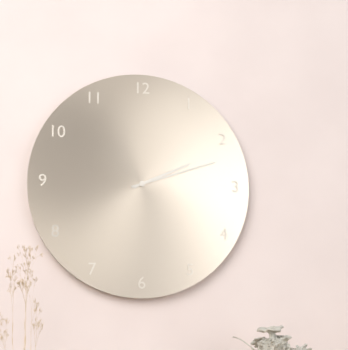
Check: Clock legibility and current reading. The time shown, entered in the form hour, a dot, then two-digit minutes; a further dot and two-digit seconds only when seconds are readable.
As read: 2.12
